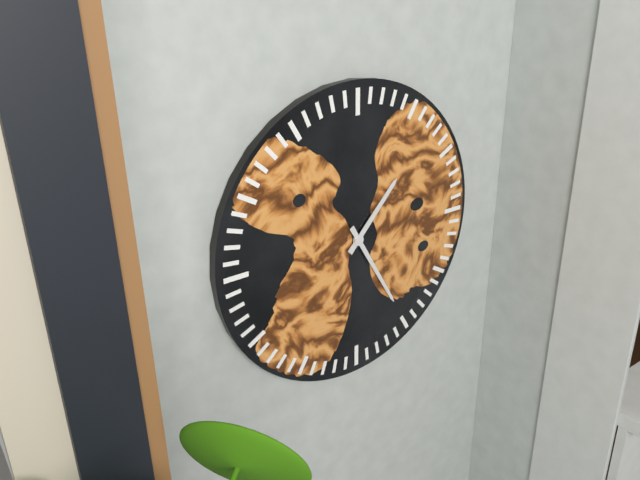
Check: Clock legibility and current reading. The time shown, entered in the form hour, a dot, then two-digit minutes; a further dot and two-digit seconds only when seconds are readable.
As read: 1.25
